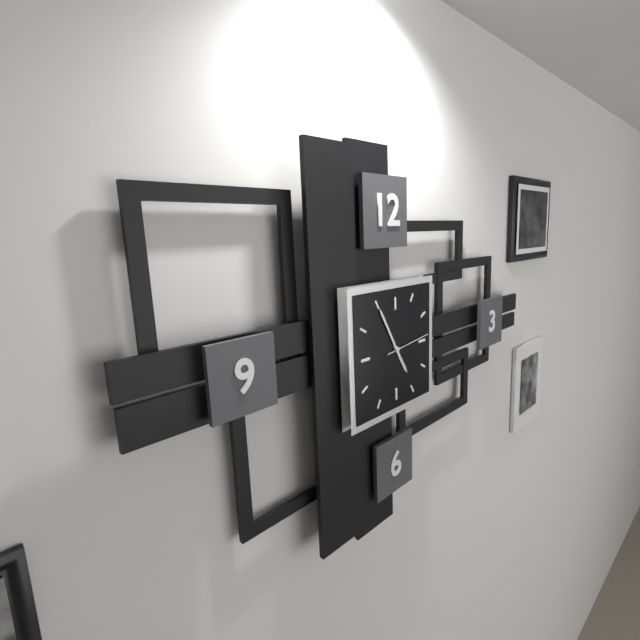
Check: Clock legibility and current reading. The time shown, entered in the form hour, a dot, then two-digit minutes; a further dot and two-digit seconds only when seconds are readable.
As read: 4.55
